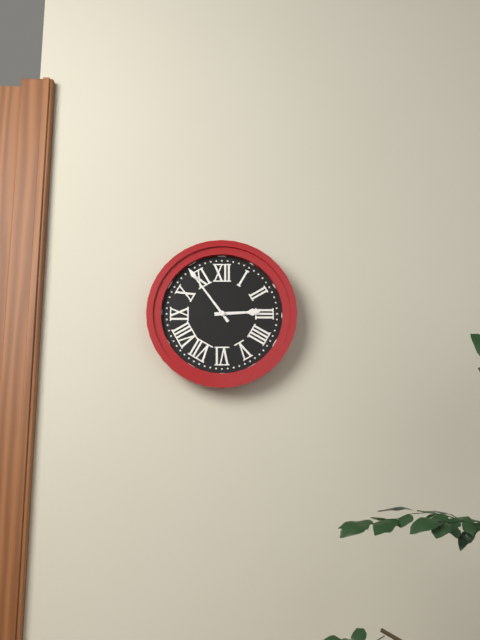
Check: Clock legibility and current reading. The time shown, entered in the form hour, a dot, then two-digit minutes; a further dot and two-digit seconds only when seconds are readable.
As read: 2.54
